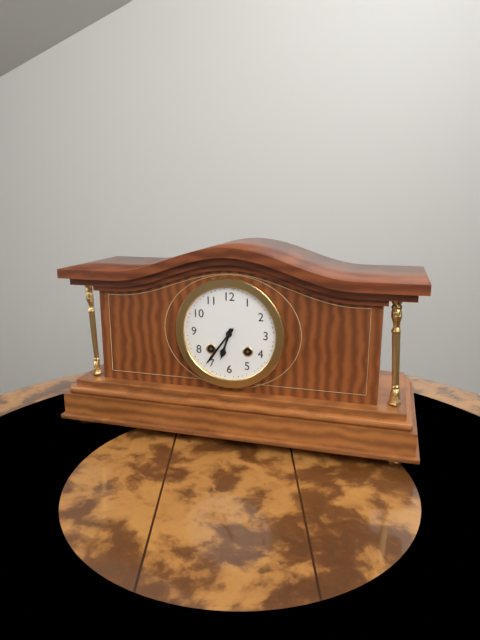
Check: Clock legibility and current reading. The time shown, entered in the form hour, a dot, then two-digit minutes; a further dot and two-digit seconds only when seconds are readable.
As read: 6.36
